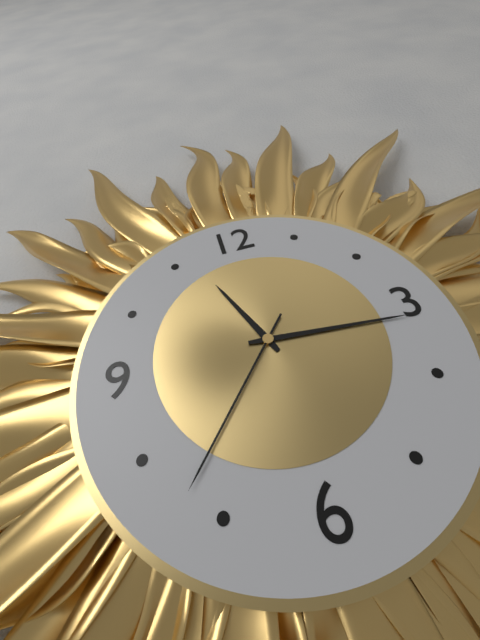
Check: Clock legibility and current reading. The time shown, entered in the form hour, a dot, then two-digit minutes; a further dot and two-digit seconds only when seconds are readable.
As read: 11.16.37
